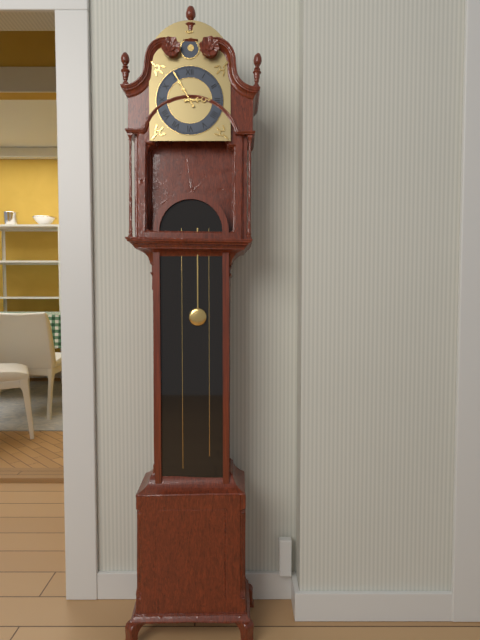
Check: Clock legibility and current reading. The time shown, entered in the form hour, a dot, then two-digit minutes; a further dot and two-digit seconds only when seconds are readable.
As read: 2.55
